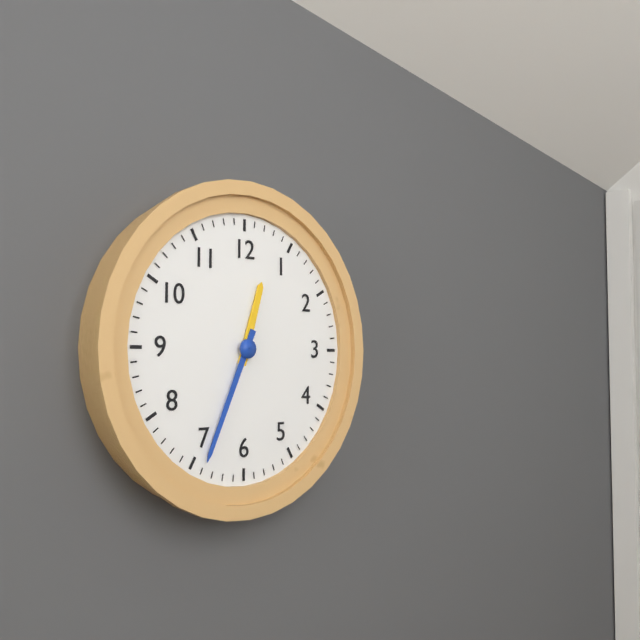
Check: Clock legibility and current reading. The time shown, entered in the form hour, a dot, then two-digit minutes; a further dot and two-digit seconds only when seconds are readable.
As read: 12.34
